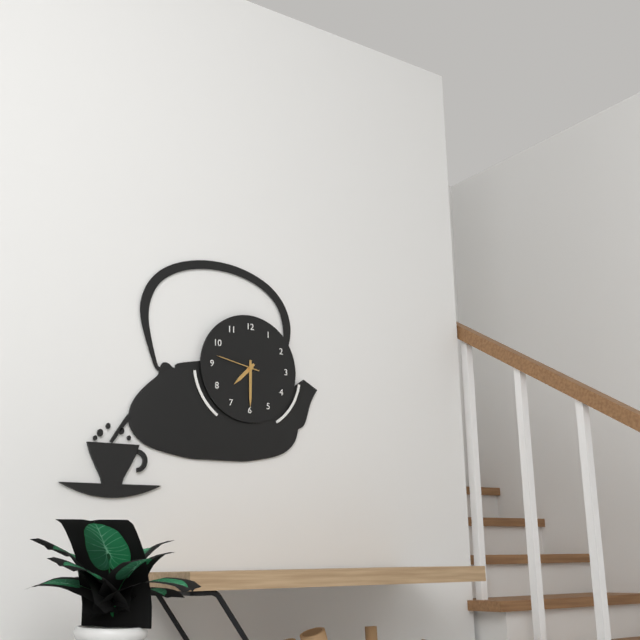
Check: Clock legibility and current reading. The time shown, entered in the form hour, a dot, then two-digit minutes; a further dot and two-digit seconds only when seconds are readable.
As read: 7.30
